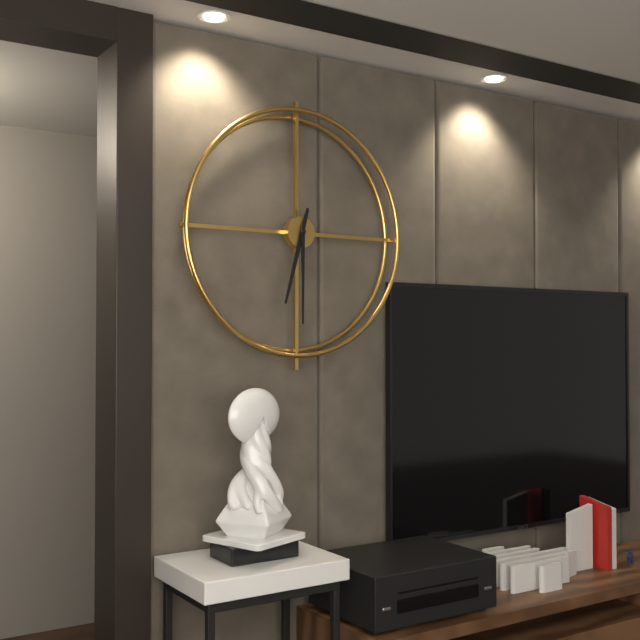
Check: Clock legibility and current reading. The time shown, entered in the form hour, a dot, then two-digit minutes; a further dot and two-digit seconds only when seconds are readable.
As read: 6.30
